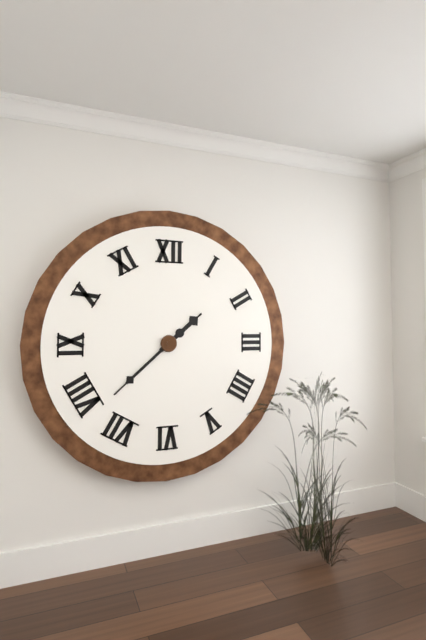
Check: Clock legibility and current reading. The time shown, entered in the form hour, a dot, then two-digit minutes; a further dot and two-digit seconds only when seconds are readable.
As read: 1.38
